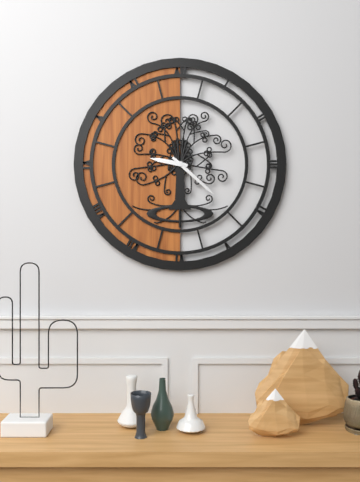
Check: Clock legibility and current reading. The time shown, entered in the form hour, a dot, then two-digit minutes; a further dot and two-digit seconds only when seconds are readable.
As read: 9.22
